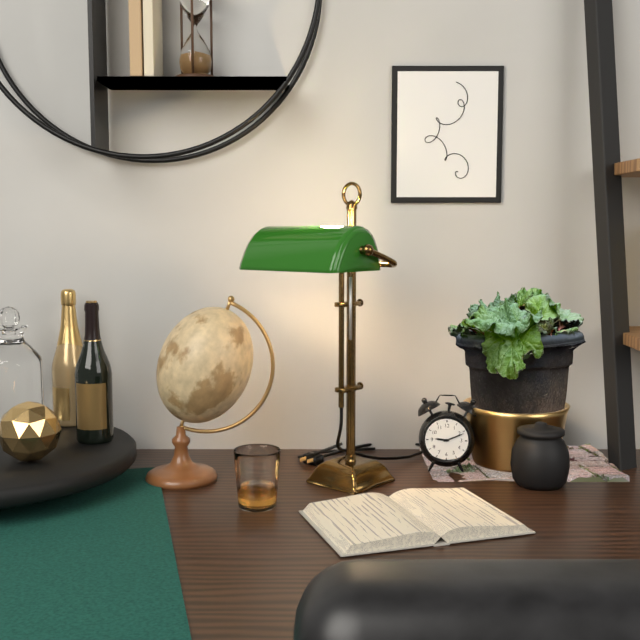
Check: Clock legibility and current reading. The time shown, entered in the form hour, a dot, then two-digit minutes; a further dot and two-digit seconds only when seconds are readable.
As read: 9.11
